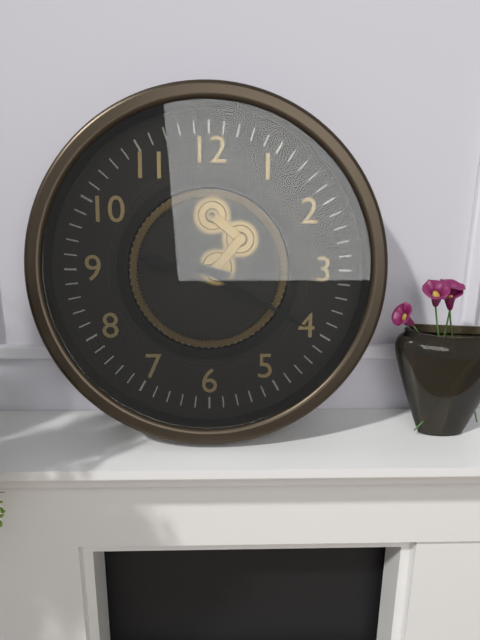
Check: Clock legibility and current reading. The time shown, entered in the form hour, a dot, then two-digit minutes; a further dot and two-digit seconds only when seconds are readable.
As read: 9.20
